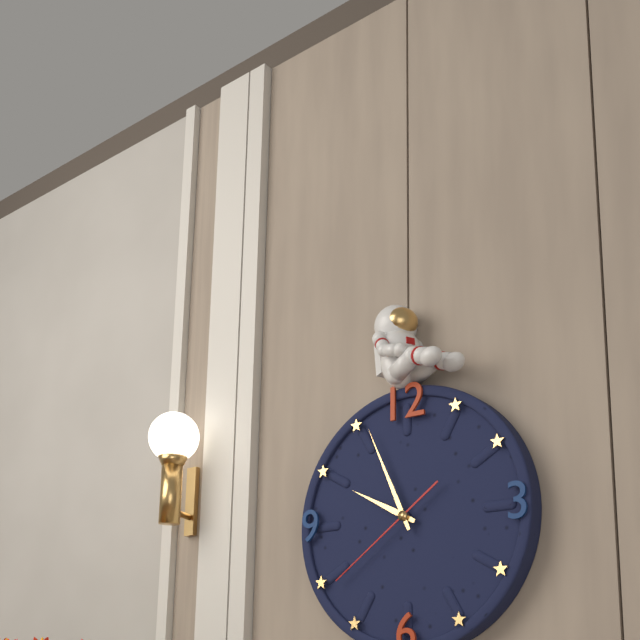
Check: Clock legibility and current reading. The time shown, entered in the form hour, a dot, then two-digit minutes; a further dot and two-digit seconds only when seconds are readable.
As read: 9.56.39
